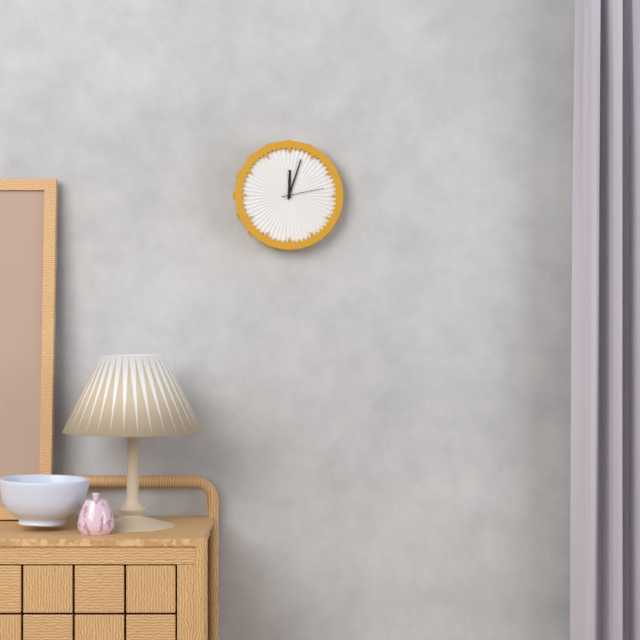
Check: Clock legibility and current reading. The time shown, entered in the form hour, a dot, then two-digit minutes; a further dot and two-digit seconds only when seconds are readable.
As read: 12.03
